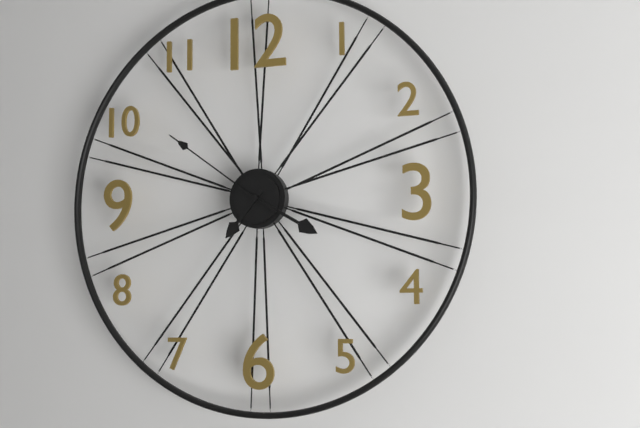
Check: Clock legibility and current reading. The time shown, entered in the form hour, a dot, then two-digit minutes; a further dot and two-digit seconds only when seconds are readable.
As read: 7.20.51
